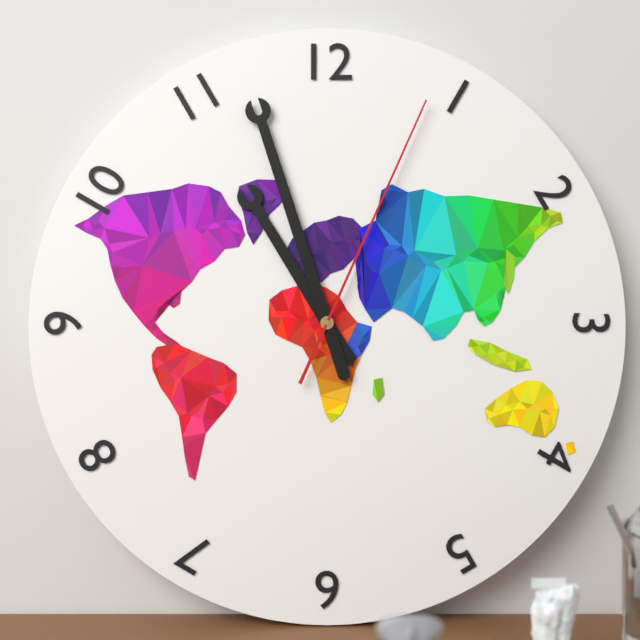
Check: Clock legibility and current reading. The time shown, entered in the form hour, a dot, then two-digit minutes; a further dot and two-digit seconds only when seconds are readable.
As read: 10.57.04
